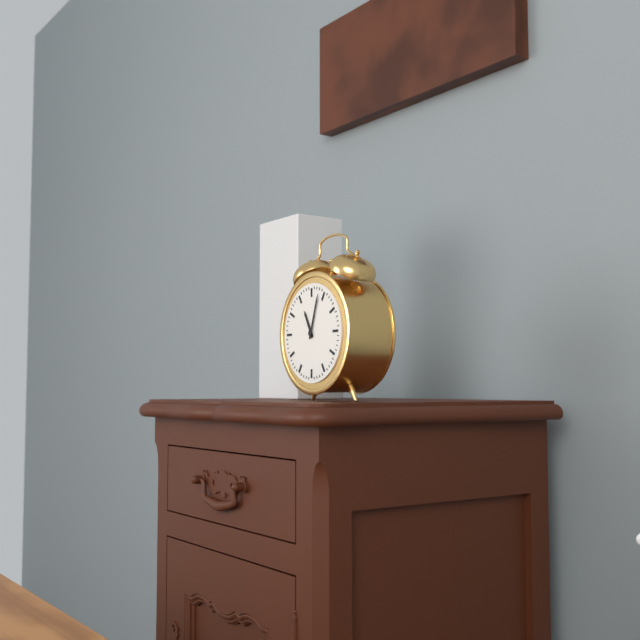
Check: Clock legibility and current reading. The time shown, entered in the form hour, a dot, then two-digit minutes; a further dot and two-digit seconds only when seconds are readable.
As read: 11.03
